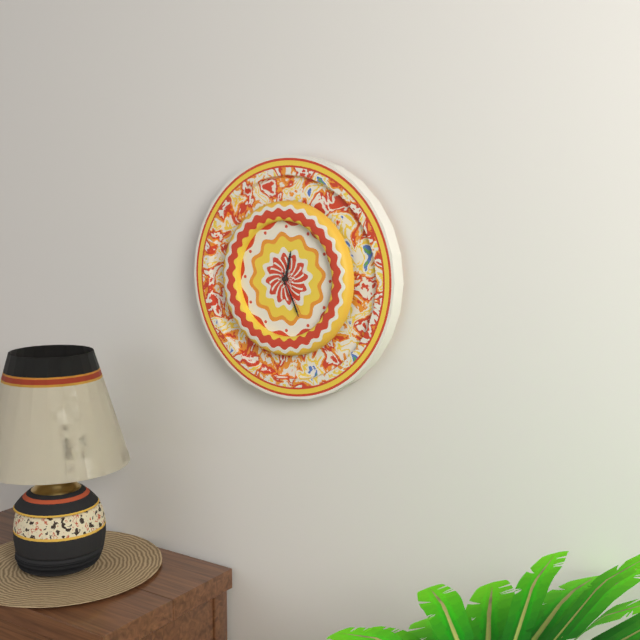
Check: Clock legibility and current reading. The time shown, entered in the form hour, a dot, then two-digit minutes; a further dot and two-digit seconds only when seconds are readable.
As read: 12.26
